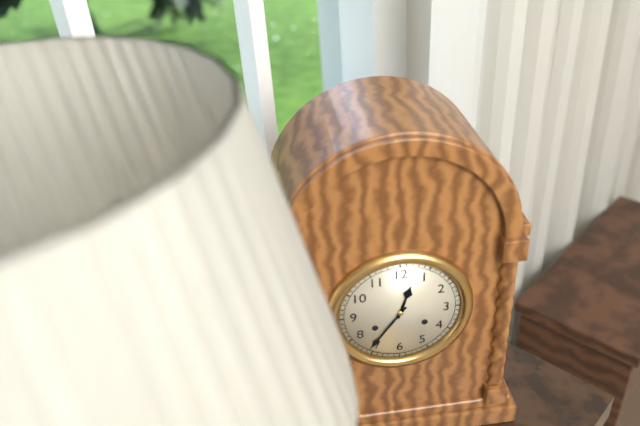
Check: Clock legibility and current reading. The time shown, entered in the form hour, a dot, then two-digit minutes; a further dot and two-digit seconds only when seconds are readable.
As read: 12.36
